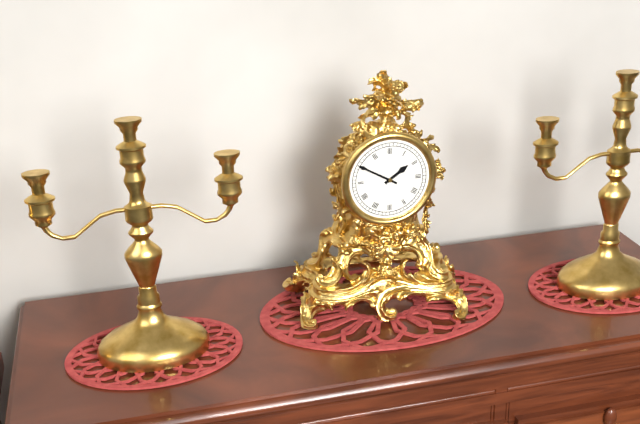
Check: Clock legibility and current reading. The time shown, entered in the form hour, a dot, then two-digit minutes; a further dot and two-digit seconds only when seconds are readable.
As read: 1.50
